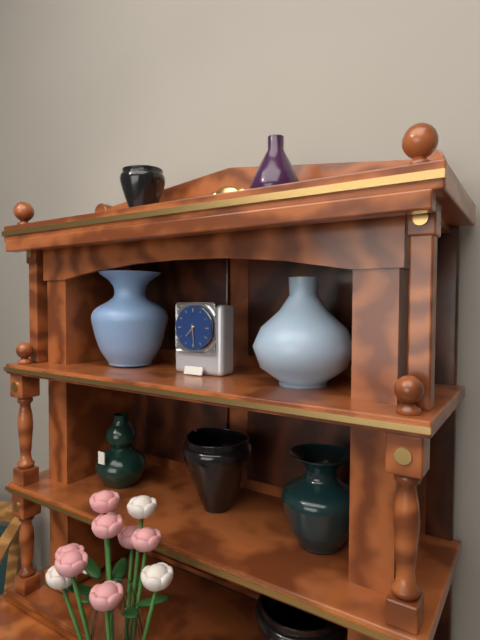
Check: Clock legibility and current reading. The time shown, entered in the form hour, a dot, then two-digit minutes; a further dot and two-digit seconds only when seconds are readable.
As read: 7.29
